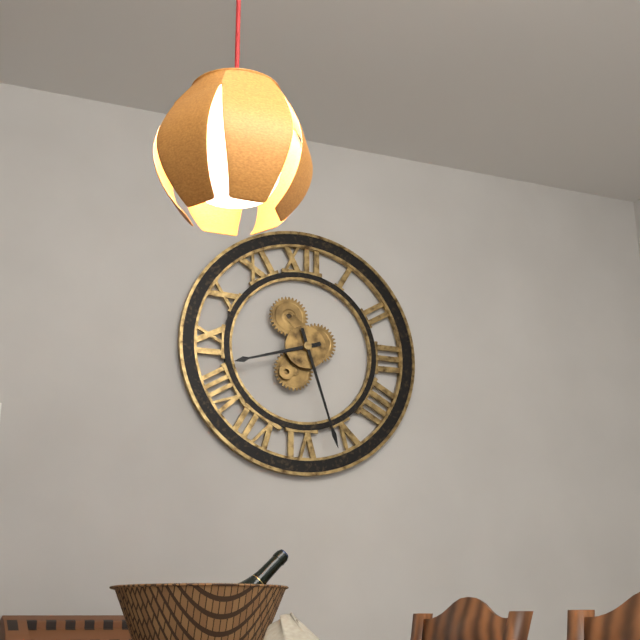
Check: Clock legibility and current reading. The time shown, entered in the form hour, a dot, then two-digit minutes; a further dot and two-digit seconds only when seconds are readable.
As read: 8.27
